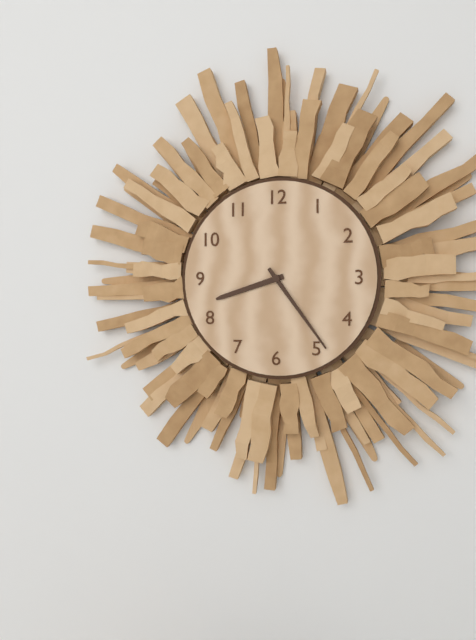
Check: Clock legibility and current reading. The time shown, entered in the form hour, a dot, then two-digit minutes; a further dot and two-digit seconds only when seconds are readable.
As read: 8.24
